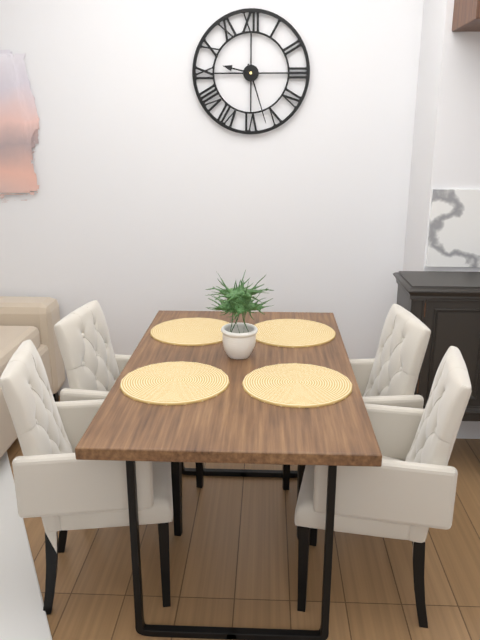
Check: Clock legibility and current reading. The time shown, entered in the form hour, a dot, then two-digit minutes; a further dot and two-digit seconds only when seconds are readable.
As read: 9.27
